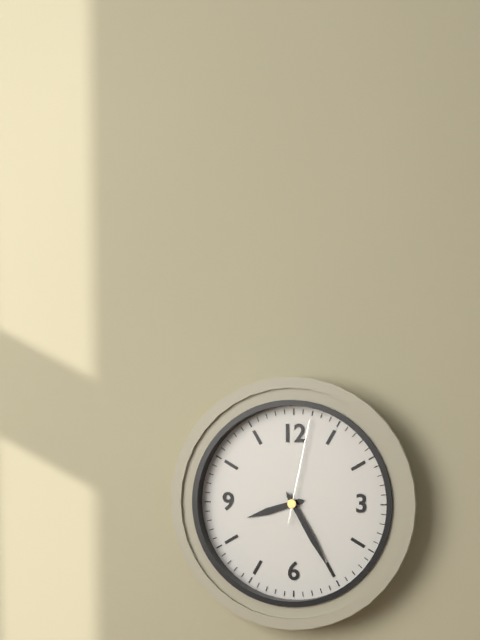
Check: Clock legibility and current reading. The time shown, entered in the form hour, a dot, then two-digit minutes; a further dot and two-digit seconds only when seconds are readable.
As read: 8.25.02
